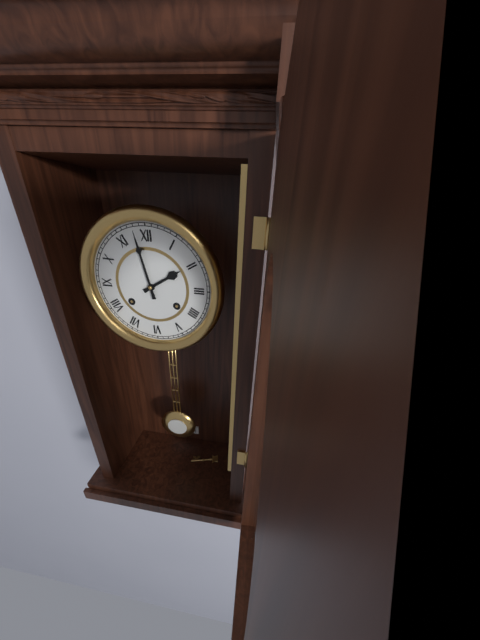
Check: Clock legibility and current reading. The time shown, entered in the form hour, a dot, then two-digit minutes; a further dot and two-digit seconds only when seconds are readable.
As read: 1.58
